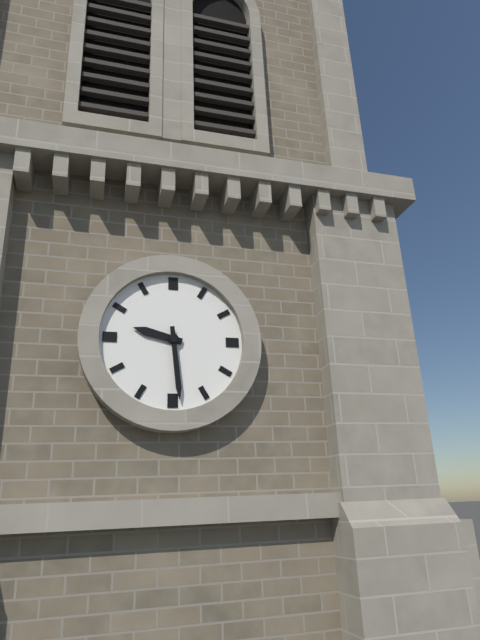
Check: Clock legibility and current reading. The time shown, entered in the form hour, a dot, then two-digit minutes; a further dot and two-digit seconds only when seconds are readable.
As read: 9.29
